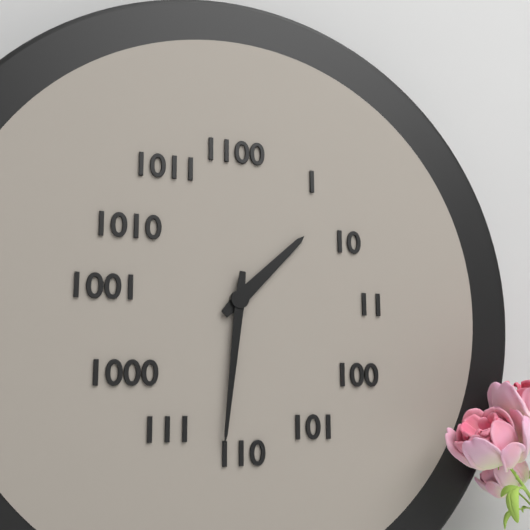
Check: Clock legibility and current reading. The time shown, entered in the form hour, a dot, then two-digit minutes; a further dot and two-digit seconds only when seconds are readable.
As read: 1.31
